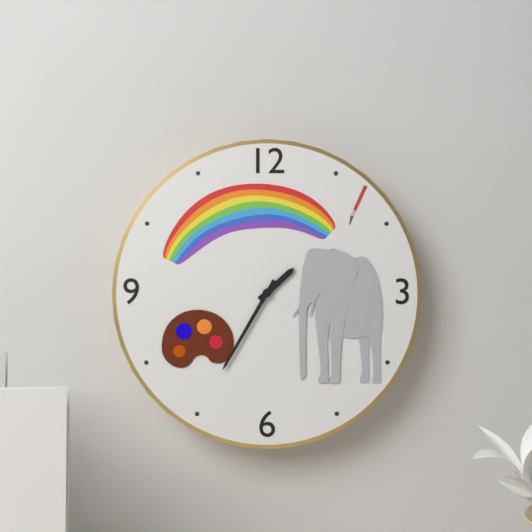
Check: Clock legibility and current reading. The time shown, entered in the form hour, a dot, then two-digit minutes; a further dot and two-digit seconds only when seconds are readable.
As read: 1.35
